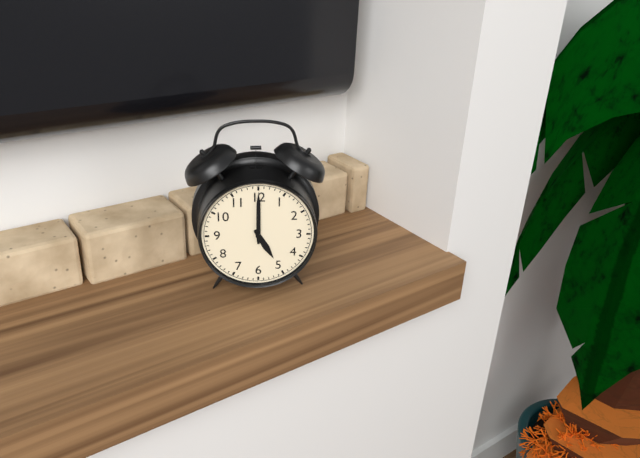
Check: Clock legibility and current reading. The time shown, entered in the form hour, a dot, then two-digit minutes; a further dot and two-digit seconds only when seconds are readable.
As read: 5.00
